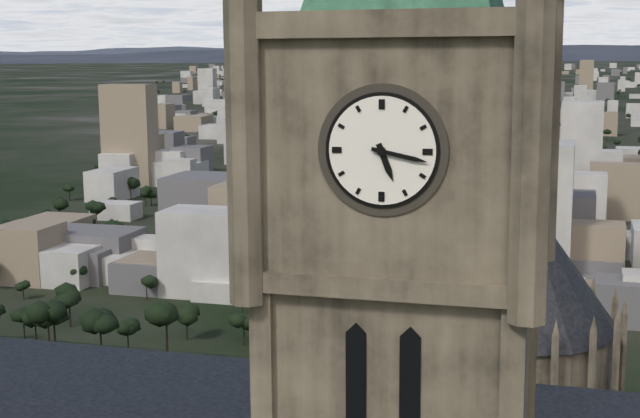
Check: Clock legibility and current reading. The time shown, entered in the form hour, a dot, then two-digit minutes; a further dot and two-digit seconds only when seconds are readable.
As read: 5.17
